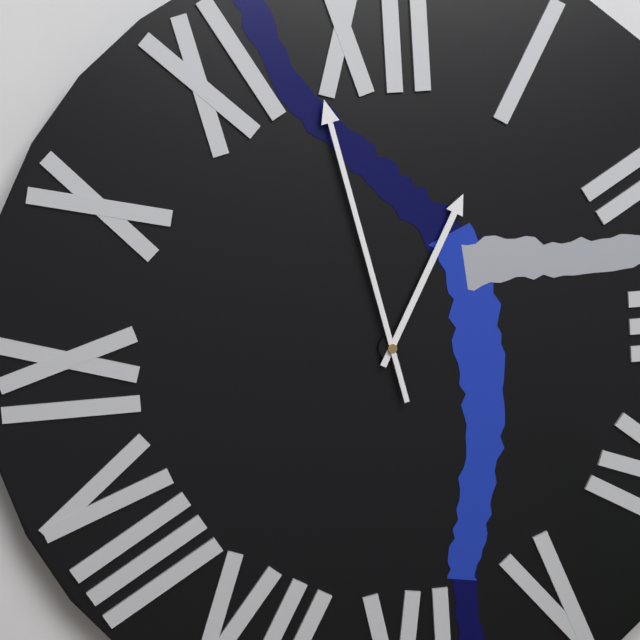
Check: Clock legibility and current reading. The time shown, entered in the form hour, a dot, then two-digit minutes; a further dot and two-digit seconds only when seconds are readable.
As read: 12.58
